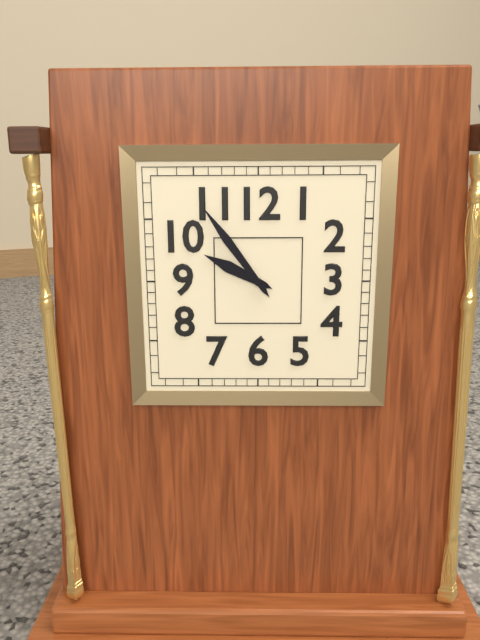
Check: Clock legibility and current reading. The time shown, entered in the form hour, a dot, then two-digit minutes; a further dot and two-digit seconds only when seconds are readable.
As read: 9.54
